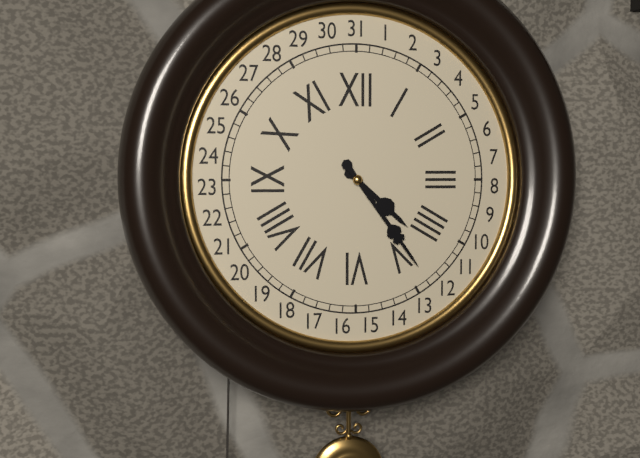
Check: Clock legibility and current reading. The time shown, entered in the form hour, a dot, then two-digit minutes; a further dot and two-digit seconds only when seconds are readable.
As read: 4.24
